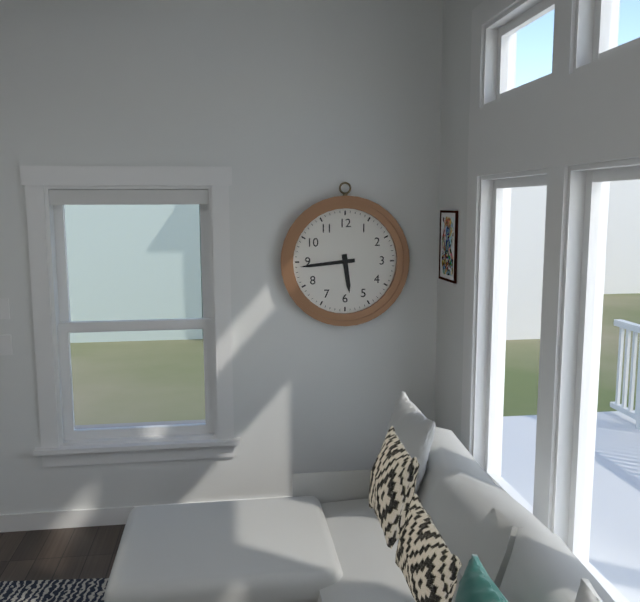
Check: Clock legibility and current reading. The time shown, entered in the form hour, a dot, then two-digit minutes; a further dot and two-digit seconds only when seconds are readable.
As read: 5.44
